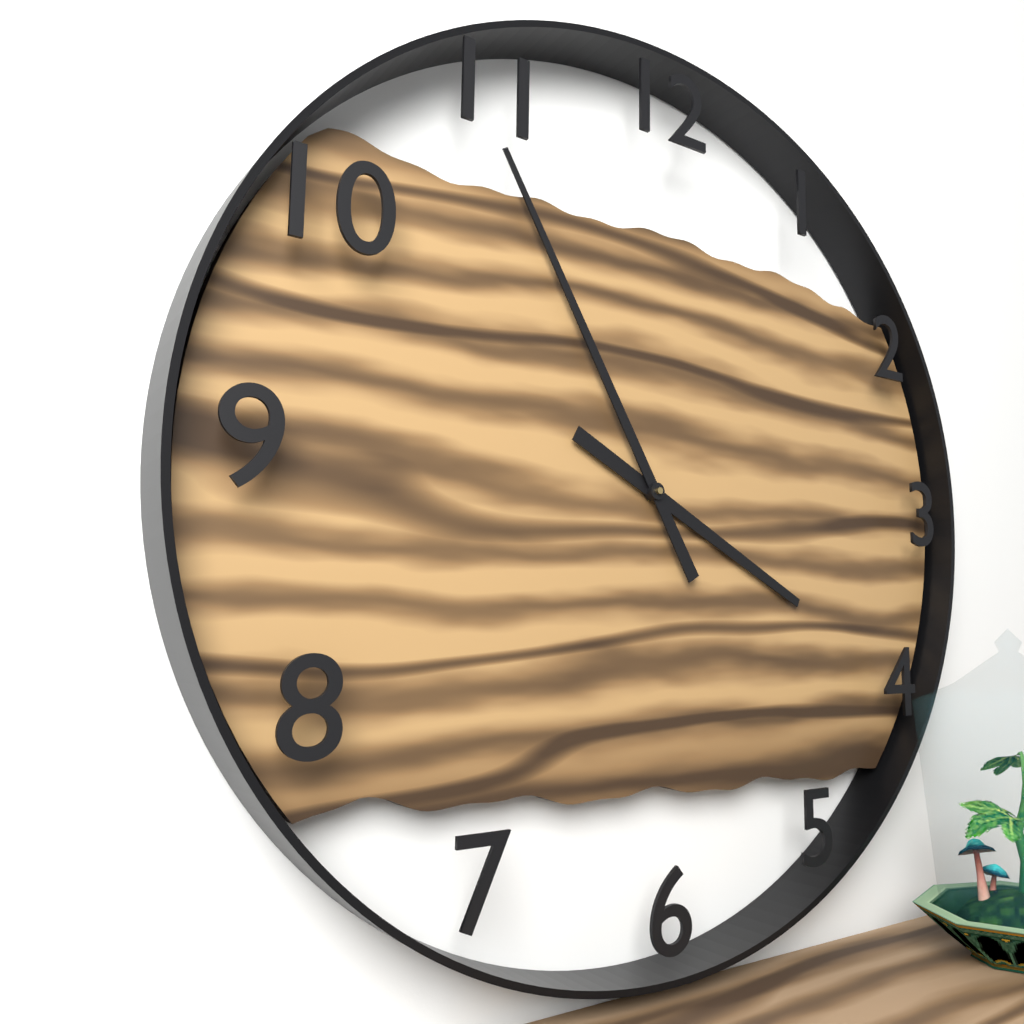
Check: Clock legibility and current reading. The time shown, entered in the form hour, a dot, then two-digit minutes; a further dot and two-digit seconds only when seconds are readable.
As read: 3.55
